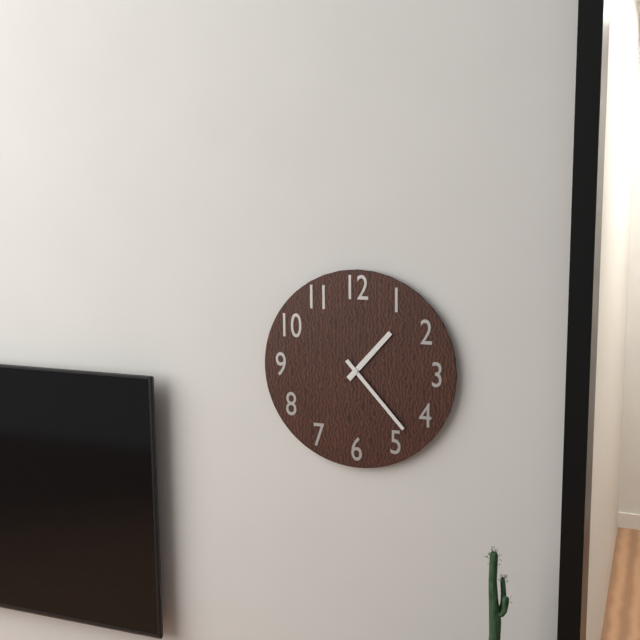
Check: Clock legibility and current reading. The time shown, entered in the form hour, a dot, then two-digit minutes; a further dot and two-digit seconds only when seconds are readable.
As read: 1.23
